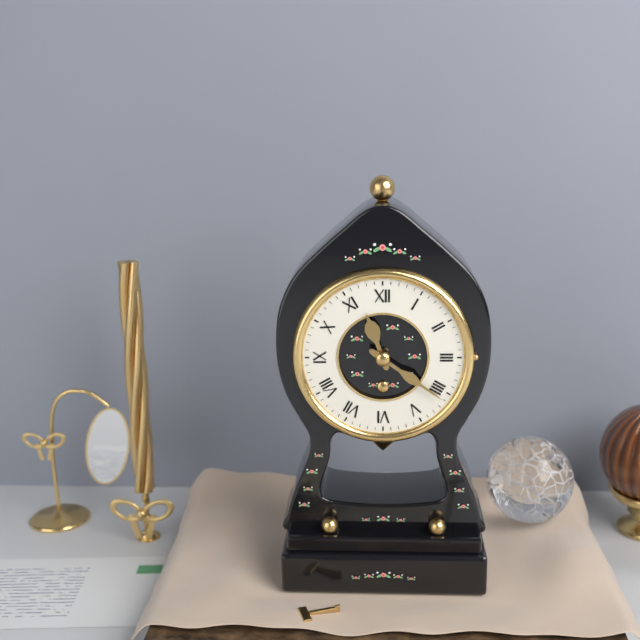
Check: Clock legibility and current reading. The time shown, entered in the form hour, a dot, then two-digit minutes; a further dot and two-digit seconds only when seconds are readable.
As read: 11.21
